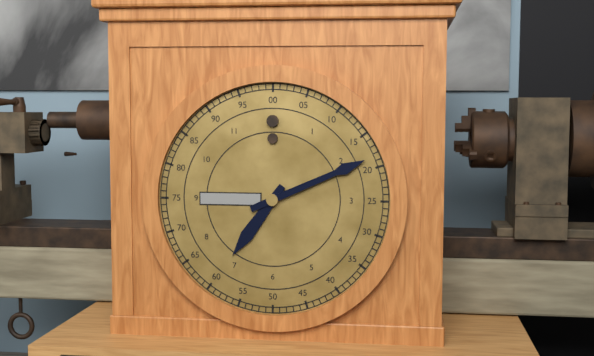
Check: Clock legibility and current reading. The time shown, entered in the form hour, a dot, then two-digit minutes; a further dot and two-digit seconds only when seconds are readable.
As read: 7.11
